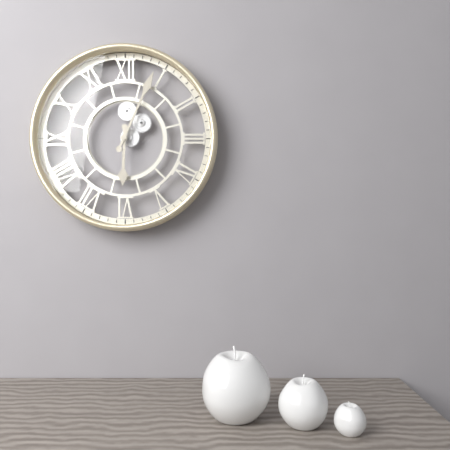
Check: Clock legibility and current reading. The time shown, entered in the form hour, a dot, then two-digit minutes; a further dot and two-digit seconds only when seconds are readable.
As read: 6.04
